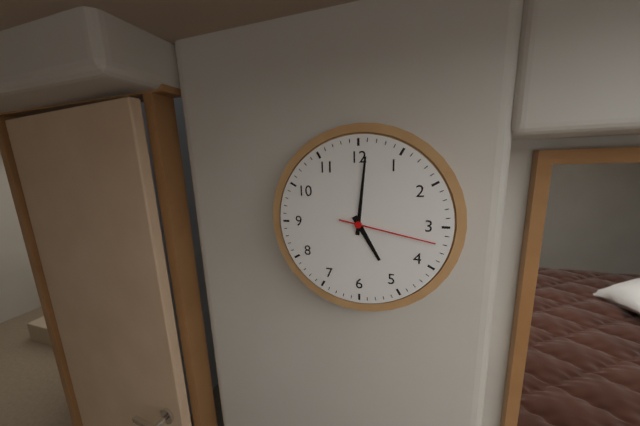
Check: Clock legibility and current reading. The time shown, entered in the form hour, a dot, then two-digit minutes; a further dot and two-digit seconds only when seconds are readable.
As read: 5.01.17
